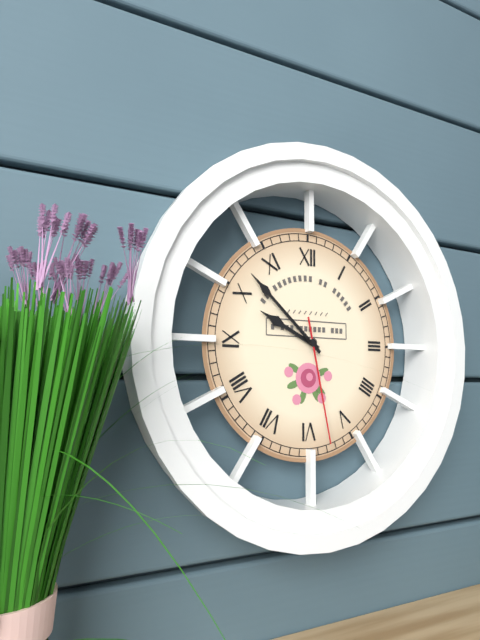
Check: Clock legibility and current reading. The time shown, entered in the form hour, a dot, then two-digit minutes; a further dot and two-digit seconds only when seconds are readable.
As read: 9.52.28
